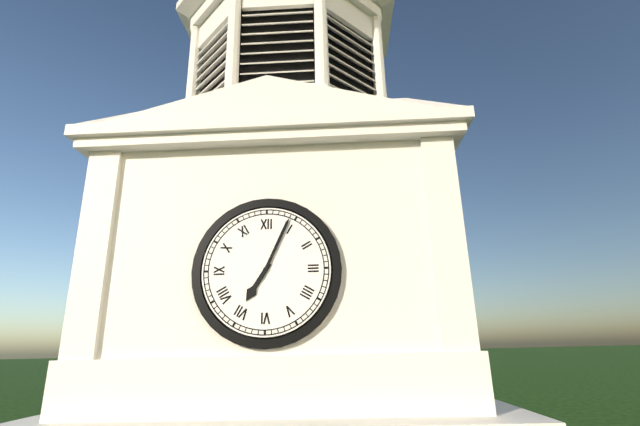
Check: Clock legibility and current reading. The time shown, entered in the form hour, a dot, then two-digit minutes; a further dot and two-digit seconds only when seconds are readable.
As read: 7.04
